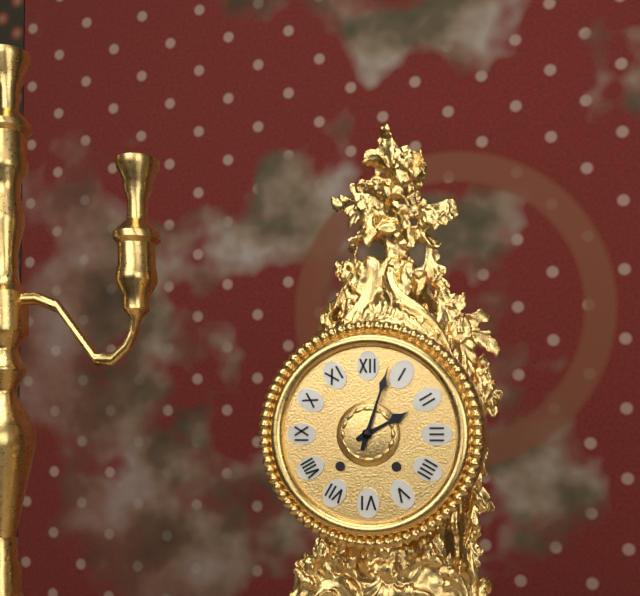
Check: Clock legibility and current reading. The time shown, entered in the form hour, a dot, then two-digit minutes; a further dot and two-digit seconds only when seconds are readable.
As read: 2.03
